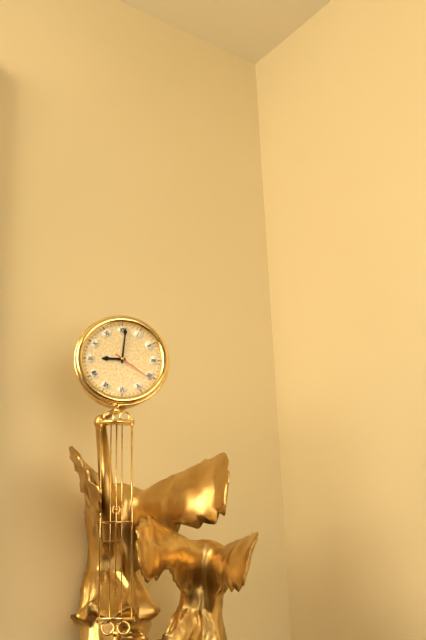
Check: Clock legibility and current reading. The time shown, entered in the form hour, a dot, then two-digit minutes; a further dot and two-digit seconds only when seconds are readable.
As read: 9.01
